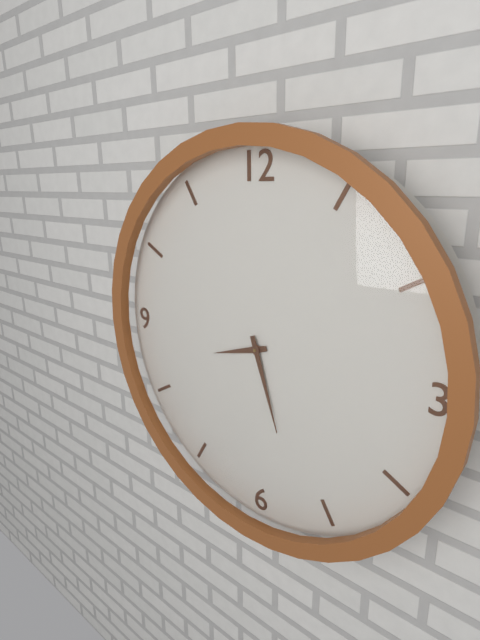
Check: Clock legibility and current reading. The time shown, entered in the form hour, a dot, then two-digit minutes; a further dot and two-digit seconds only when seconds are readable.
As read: 8.27
